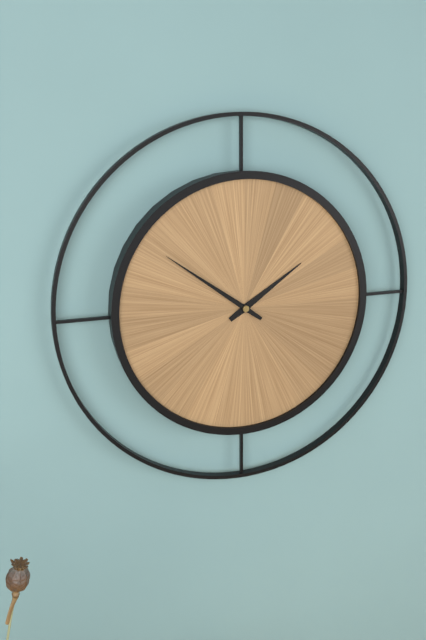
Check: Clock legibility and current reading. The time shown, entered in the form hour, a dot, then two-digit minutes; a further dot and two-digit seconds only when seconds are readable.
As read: 1.51
